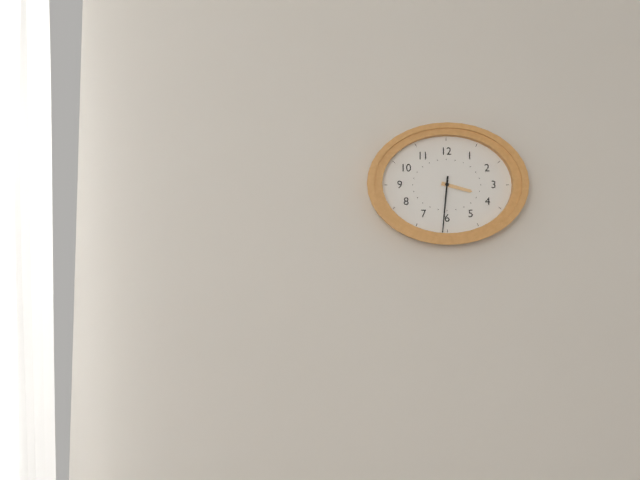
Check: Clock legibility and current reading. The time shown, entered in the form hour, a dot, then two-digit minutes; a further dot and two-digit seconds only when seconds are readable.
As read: 3.31
